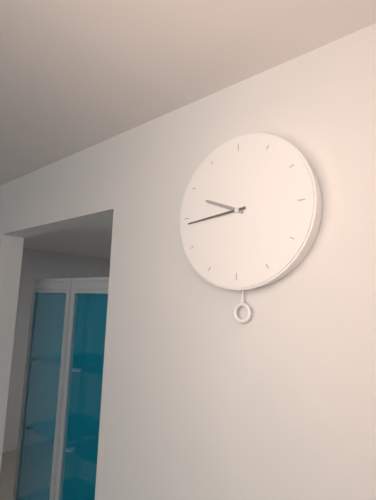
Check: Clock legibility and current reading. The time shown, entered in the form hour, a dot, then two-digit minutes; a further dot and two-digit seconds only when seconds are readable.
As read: 9.44
